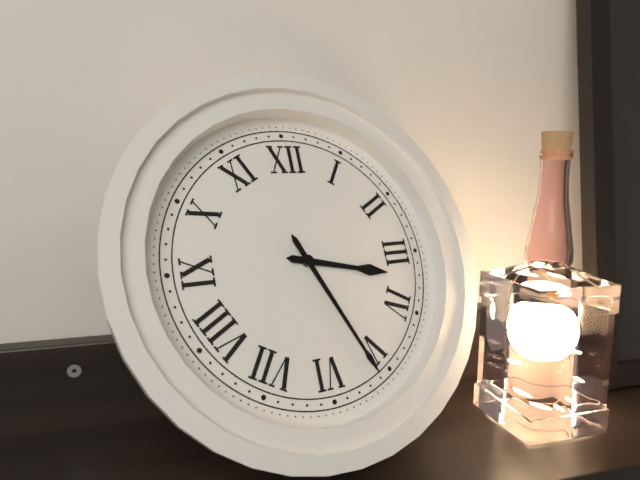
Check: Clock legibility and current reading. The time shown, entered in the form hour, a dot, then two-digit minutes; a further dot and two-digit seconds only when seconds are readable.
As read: 3.26
